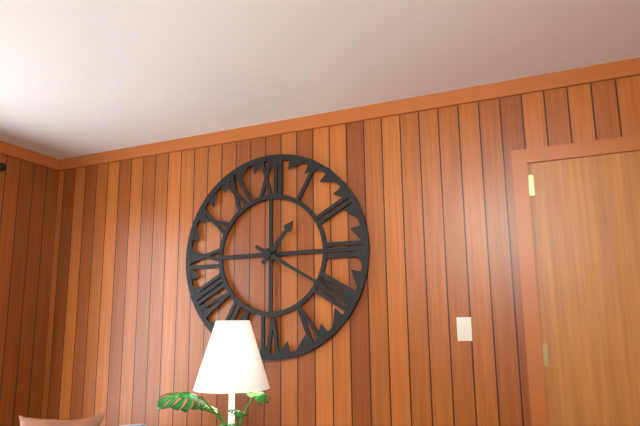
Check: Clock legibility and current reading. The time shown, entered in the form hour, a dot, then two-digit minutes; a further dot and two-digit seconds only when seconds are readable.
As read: 1.20
